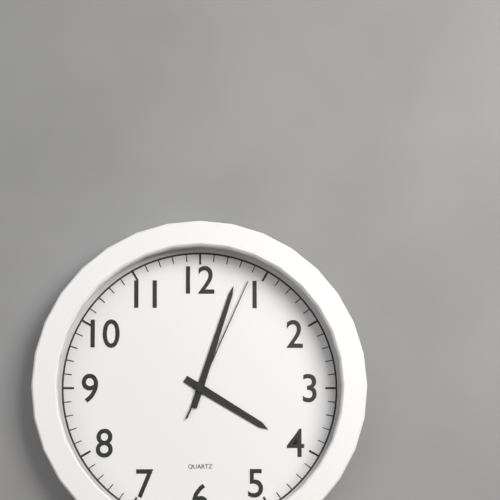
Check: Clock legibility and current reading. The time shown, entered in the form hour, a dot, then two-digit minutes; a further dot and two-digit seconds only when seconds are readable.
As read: 4.03.04
